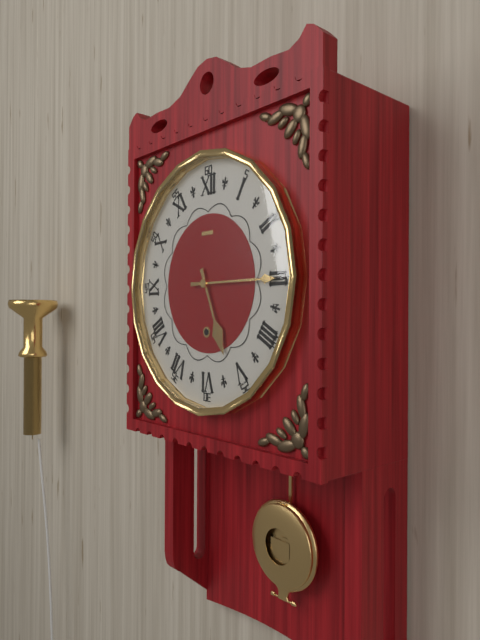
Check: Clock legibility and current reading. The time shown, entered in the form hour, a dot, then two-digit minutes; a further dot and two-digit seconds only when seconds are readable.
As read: 5.15
